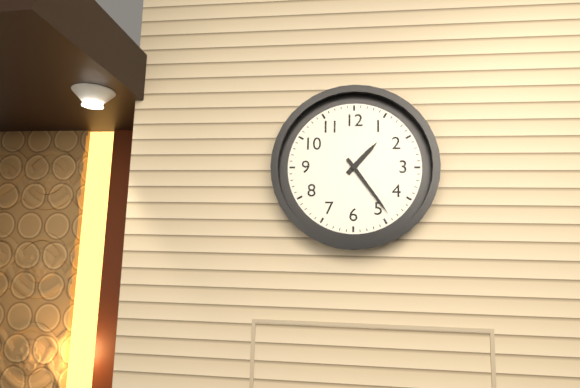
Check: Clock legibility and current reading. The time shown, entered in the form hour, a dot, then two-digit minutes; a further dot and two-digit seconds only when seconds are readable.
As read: 1.24
